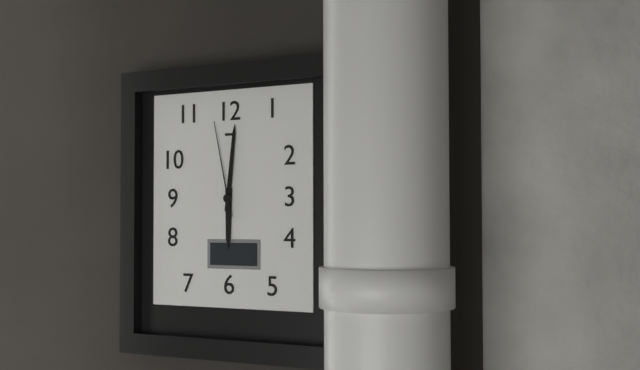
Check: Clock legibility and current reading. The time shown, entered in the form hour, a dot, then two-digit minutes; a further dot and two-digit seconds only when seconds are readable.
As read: 6.01.58
